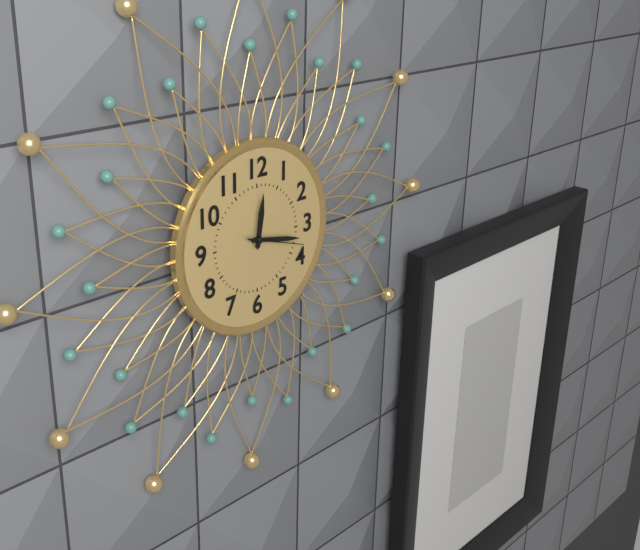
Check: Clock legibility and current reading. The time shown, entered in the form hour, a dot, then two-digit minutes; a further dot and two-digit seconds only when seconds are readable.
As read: 12.17.18
